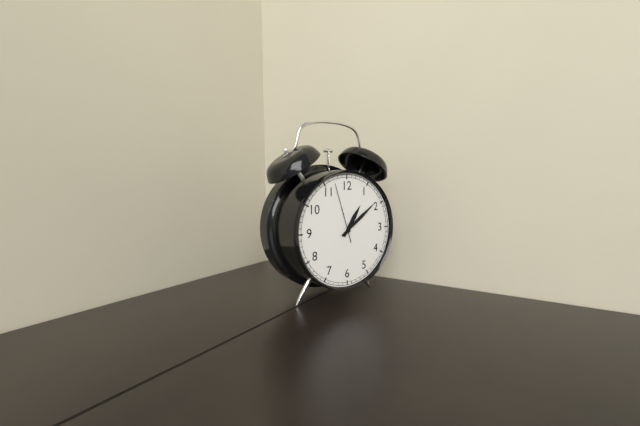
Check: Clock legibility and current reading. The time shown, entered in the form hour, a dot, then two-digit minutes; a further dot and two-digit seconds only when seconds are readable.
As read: 1.09.57
